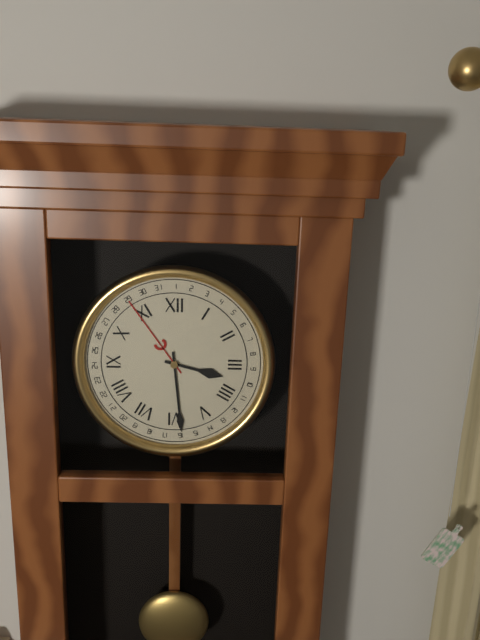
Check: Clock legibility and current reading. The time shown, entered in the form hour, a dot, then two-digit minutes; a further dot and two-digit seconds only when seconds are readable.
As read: 3.29
